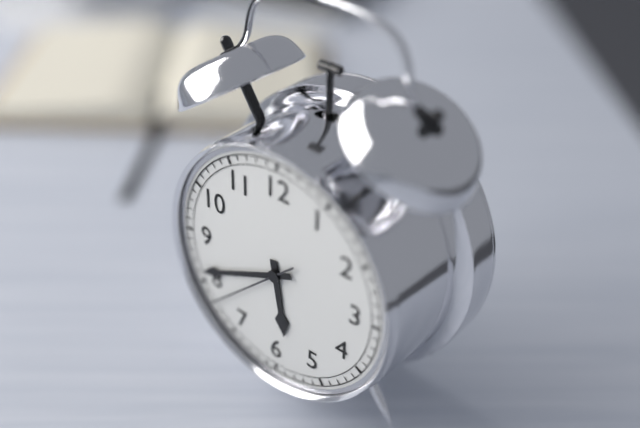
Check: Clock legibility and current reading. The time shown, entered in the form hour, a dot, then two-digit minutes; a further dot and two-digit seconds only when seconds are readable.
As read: 5.41.38
